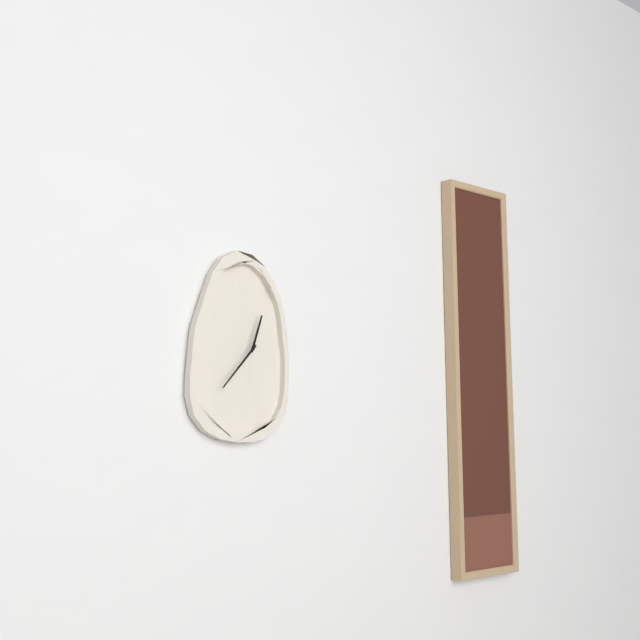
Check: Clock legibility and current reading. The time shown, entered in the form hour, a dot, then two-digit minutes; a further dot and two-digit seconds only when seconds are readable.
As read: 12.37
